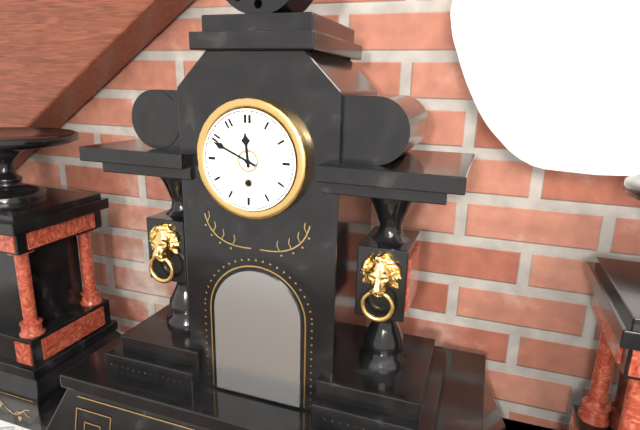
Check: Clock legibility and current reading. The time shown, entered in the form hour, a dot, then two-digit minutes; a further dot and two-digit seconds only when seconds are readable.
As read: 11.49
